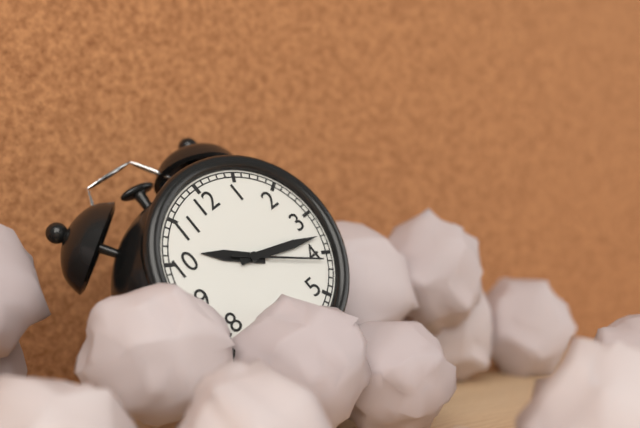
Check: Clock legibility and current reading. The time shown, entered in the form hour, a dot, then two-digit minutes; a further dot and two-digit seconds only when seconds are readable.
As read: 10.18.21
